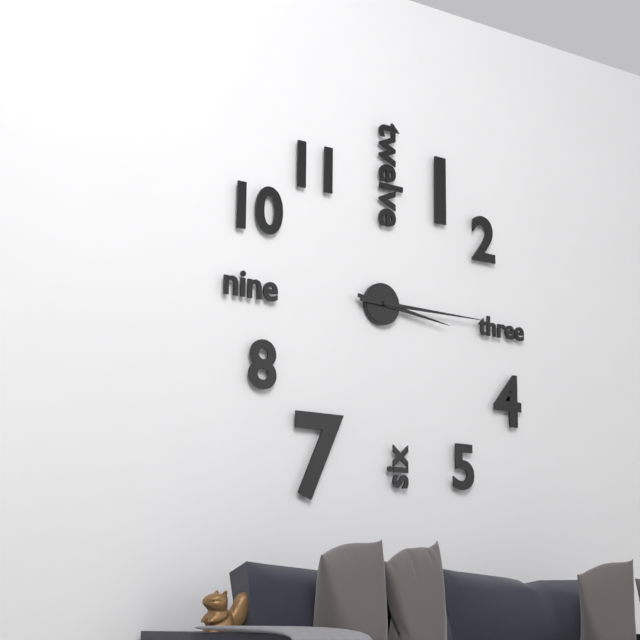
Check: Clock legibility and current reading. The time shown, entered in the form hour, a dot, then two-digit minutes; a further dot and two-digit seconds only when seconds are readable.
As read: 3.15
